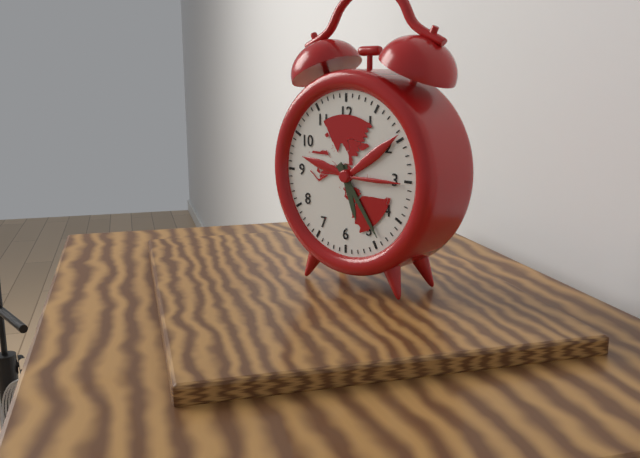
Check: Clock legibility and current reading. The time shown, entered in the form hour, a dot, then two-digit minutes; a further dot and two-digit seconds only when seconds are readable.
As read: 5.24
